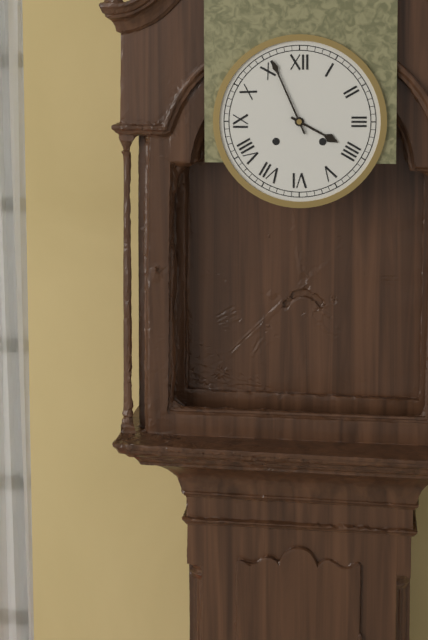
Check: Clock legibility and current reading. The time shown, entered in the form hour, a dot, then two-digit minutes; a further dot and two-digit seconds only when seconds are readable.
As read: 3.56
